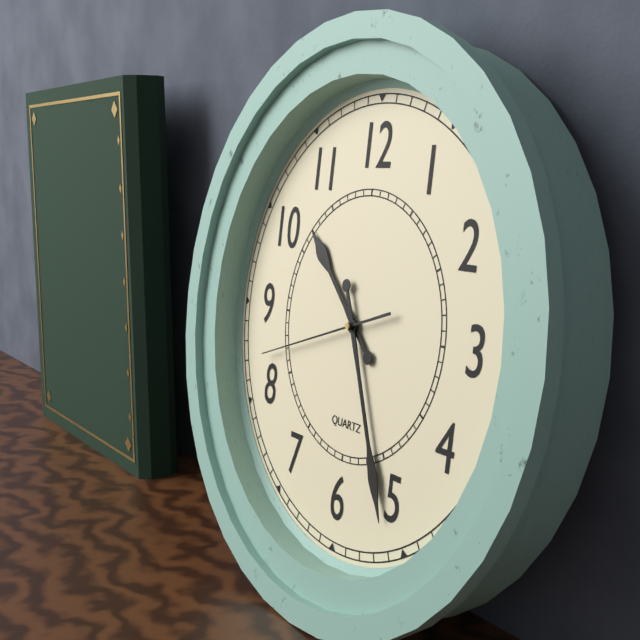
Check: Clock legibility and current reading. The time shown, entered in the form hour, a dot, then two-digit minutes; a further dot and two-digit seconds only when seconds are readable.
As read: 10.26.42
